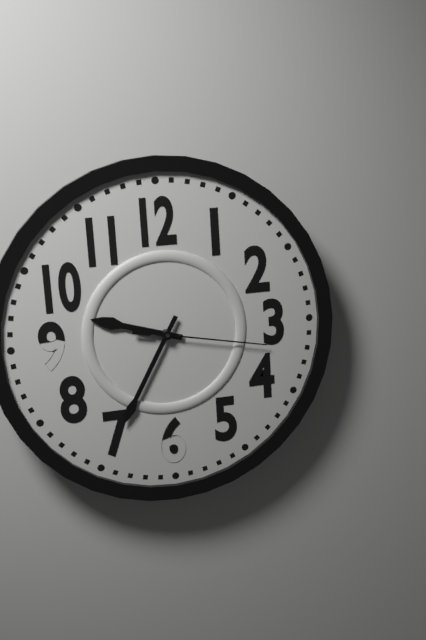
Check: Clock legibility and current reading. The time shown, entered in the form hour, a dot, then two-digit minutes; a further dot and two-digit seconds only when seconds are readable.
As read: 9.35.17
